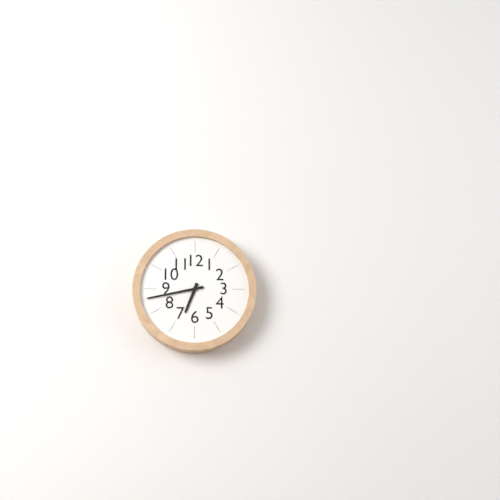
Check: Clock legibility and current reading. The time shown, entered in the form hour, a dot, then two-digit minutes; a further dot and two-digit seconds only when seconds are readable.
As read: 6.43
